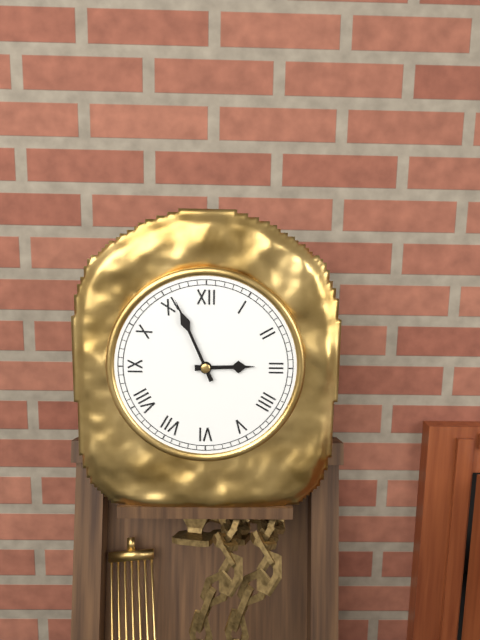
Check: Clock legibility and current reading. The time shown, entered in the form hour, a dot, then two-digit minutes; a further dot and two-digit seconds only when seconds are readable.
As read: 2.56
